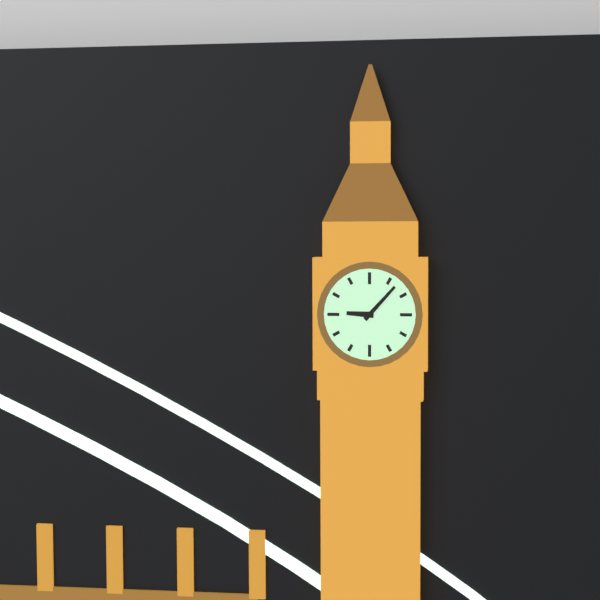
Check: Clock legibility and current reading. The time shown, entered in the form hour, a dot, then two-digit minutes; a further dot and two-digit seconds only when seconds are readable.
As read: 9.07
